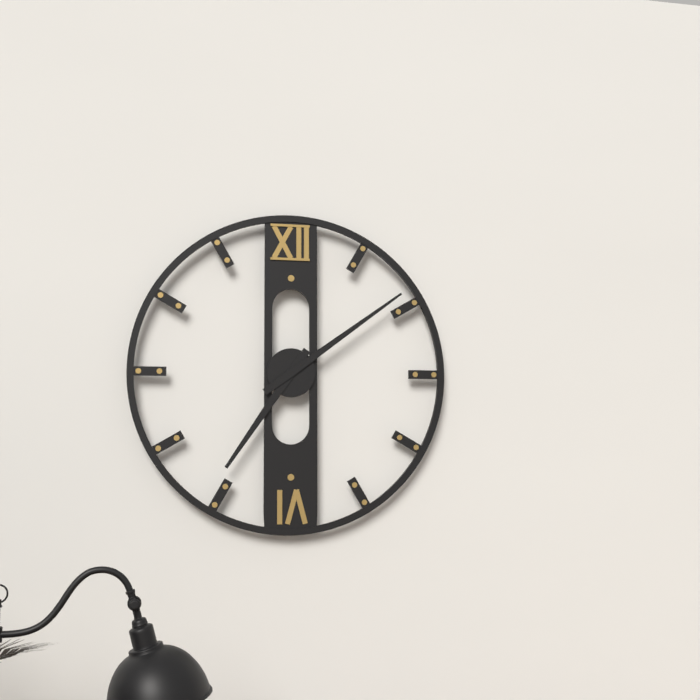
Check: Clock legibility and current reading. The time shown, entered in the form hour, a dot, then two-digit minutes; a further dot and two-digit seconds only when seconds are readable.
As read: 7.09
